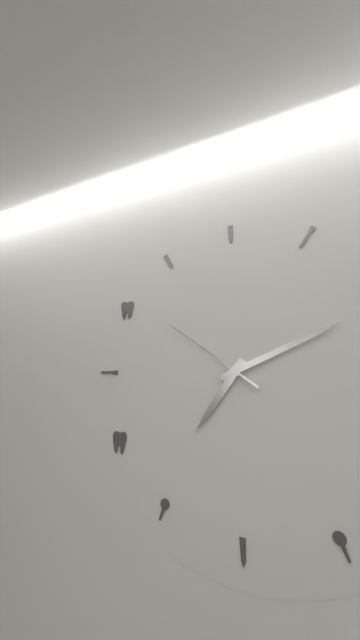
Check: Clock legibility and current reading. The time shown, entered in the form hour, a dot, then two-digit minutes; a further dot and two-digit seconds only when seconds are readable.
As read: 7.11.51
